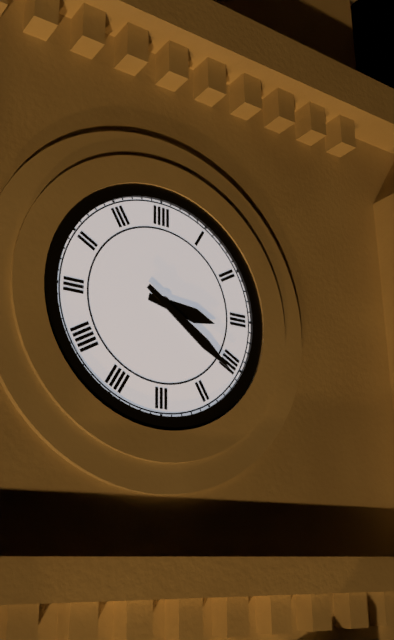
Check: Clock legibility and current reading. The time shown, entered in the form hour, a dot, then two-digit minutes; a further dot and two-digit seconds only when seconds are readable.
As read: 3.21
